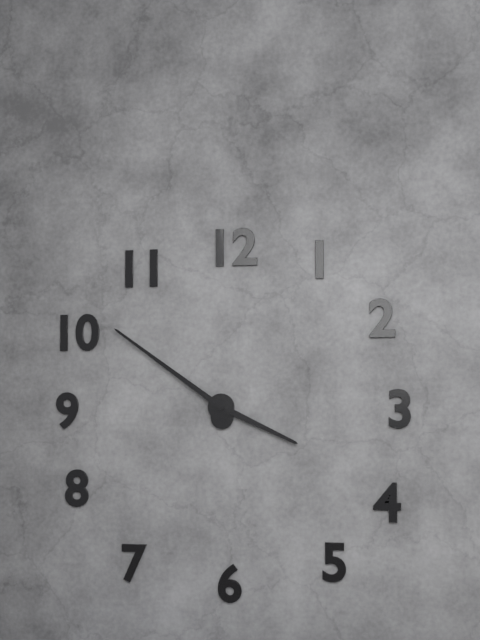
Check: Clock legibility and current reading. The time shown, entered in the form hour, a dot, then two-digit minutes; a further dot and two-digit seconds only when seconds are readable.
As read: 3.51
